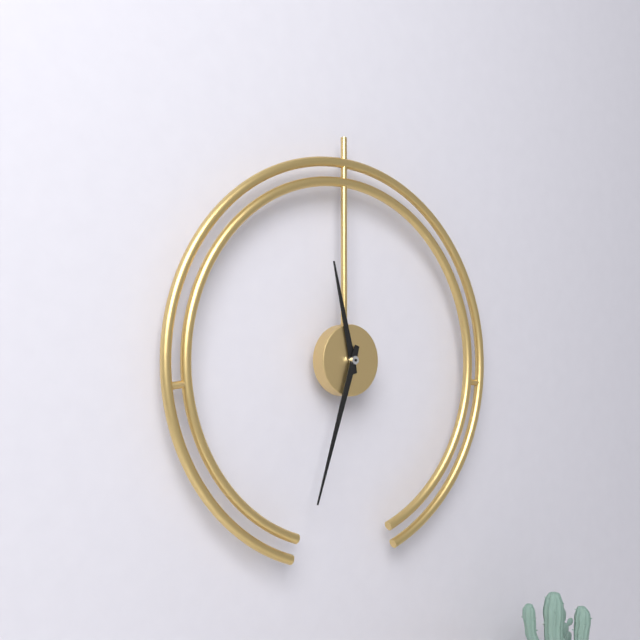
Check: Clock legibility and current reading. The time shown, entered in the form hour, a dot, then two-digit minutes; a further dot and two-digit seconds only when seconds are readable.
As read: 11.33
